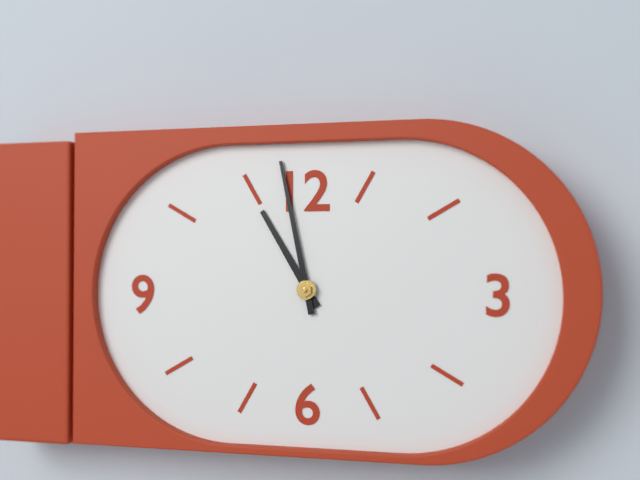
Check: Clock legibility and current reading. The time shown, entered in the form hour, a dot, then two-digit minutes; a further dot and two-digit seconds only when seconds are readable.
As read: 10.58
